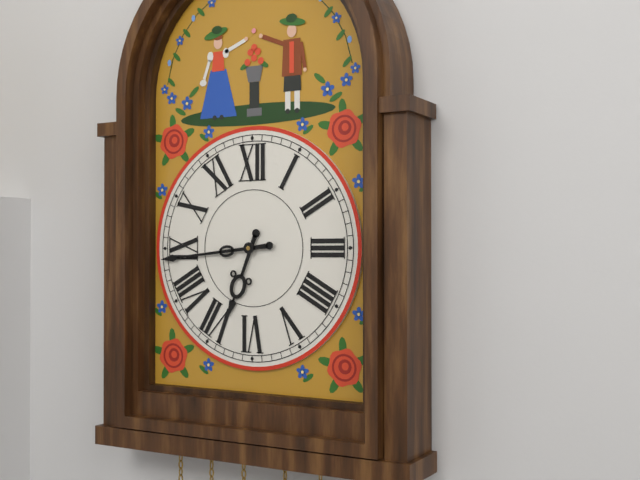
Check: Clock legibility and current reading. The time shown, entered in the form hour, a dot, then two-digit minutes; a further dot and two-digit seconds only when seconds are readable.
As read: 6.44
